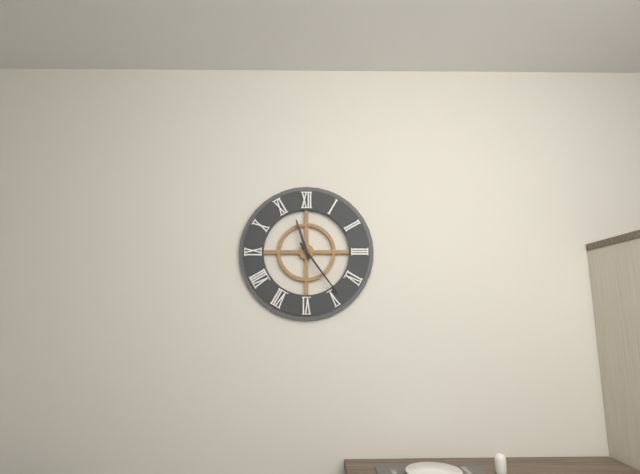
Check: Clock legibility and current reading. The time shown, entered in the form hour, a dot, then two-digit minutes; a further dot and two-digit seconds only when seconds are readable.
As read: 11.24
